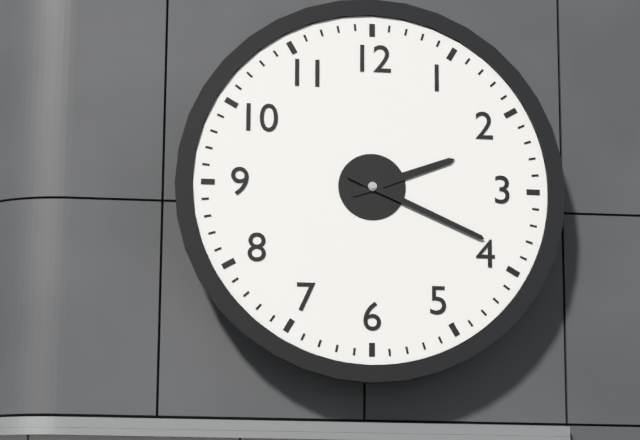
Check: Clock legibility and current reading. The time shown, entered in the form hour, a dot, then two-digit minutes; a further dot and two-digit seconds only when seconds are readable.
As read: 2.19
